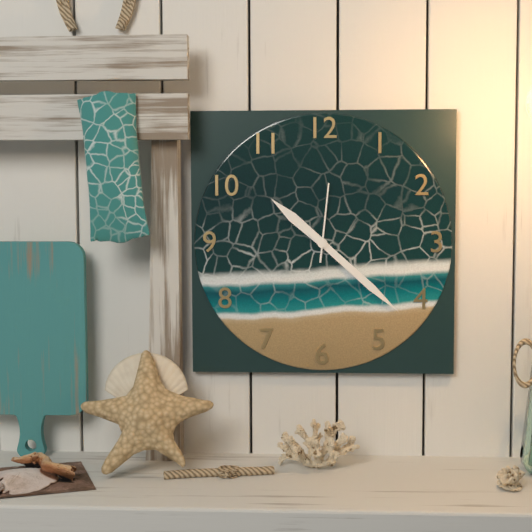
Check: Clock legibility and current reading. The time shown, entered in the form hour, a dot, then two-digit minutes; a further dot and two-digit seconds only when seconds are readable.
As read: 10.22.01
